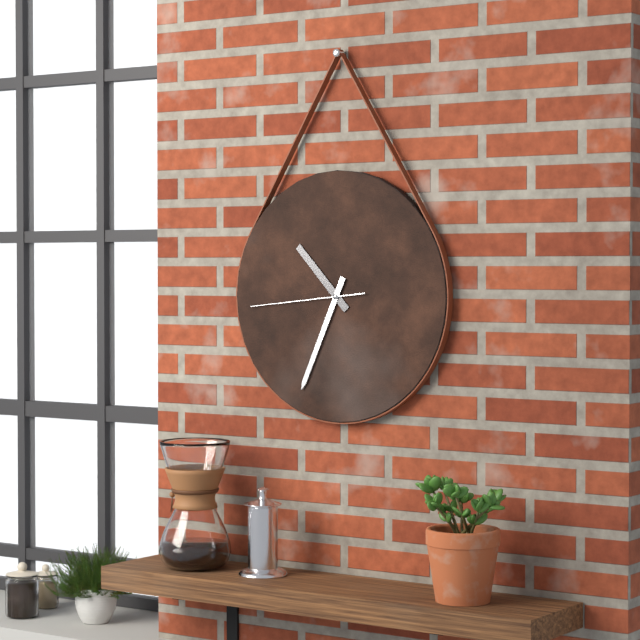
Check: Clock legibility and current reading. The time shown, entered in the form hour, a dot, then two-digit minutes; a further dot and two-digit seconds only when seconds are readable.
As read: 10.34.44
